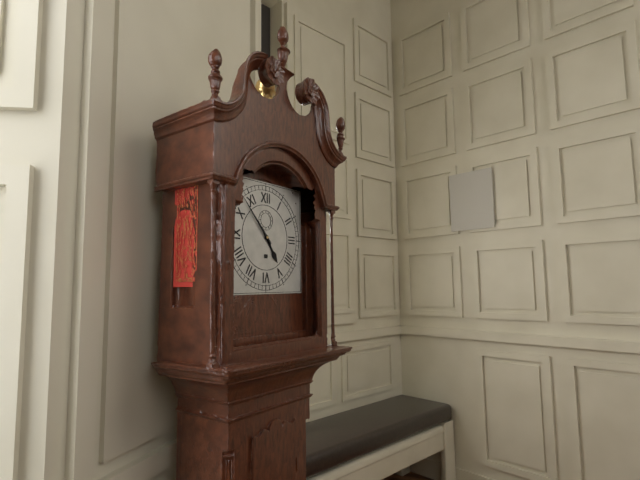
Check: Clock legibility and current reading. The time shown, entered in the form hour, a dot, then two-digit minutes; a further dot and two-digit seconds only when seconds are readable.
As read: 4.53
